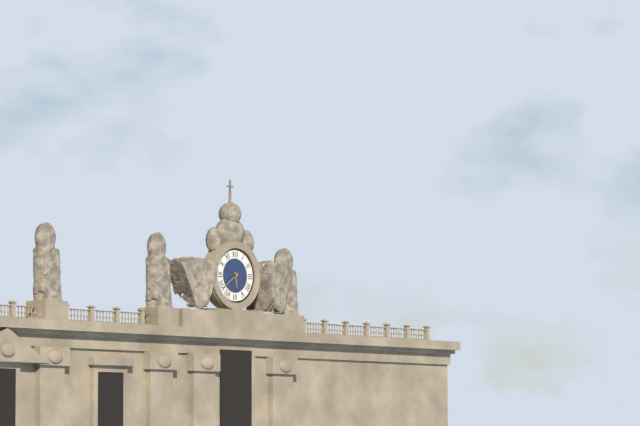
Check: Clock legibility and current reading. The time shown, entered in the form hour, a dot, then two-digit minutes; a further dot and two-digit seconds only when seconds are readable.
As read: 5.39
